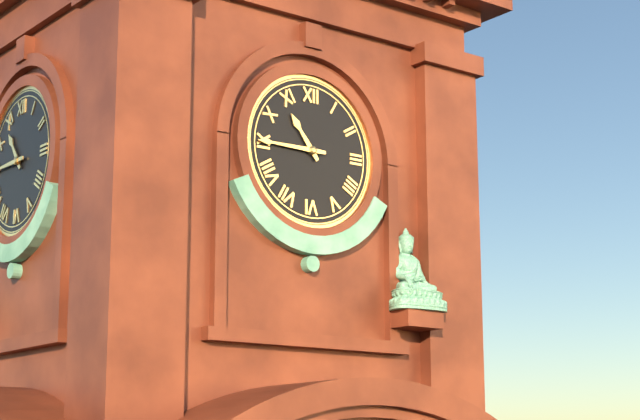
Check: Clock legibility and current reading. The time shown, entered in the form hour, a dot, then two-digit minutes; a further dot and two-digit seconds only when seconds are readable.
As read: 10.45
